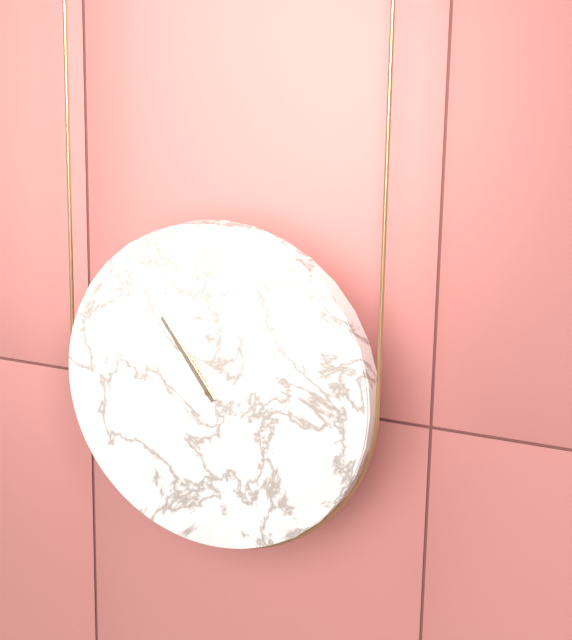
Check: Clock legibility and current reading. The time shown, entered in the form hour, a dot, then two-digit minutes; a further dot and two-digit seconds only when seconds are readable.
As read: 10.54
